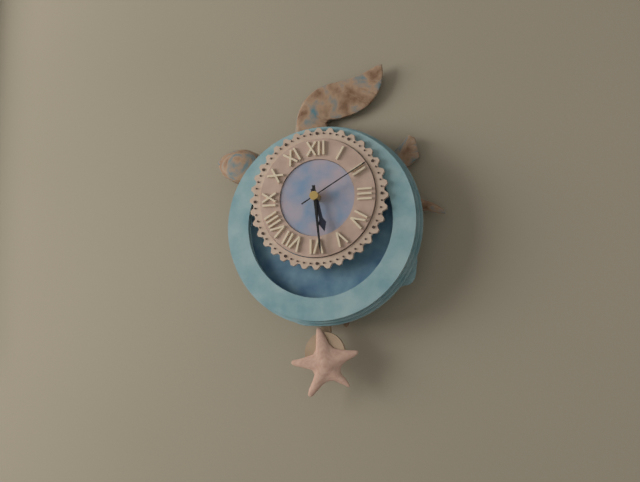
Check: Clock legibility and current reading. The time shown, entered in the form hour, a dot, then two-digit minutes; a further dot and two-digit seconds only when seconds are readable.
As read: 5.29.10
